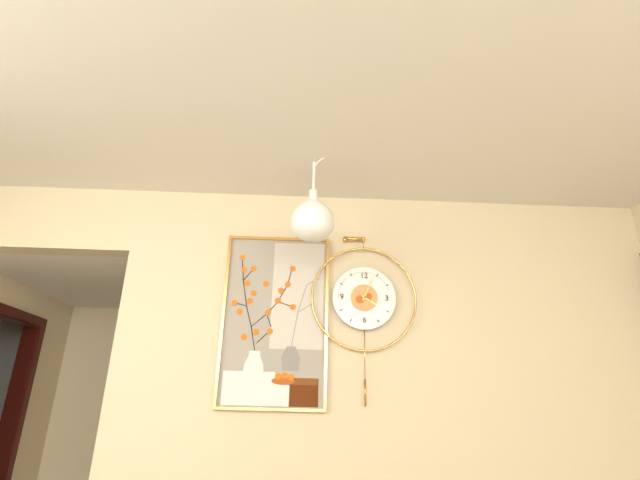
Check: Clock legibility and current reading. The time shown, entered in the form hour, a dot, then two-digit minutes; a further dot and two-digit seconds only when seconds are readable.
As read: 4.04
